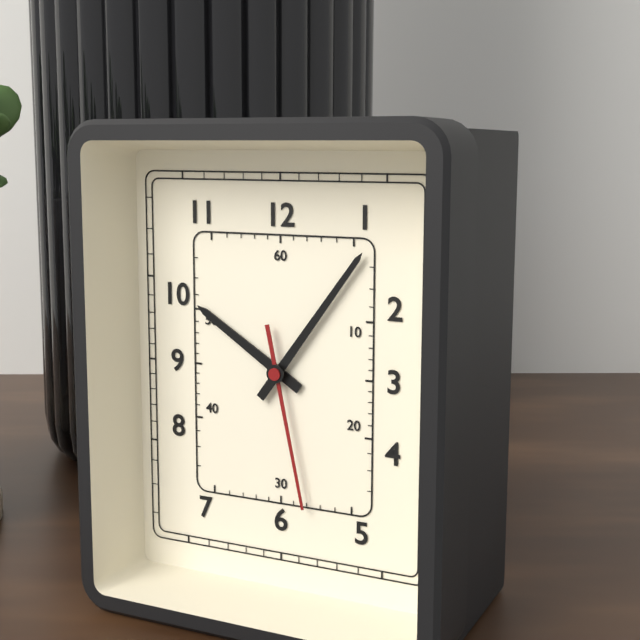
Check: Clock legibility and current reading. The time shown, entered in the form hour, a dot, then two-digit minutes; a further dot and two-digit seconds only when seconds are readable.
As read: 10.06.28
